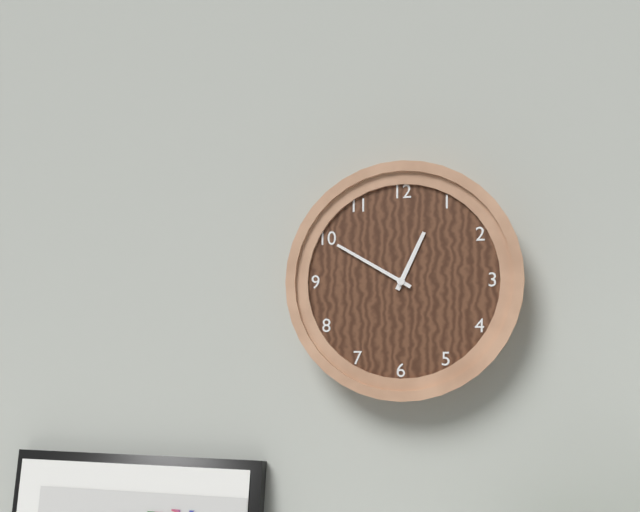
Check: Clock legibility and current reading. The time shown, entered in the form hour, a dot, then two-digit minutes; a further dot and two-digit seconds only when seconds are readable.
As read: 12.50
